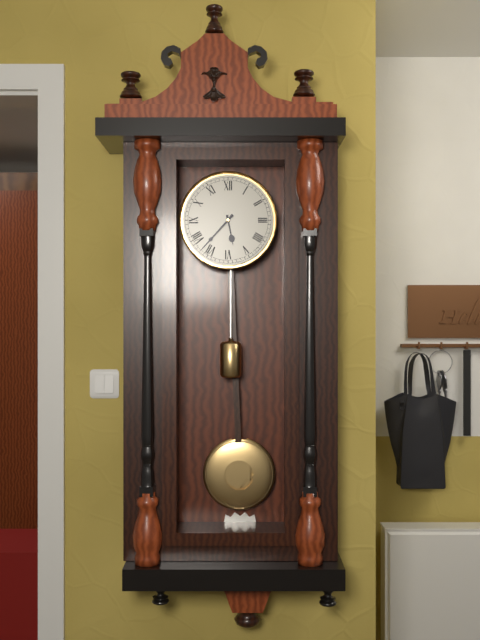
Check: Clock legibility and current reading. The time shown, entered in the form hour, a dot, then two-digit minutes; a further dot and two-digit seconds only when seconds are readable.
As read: 5.37
